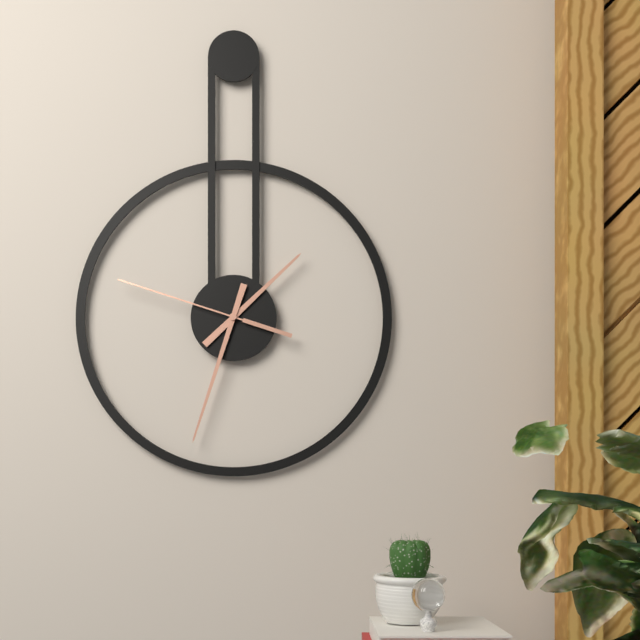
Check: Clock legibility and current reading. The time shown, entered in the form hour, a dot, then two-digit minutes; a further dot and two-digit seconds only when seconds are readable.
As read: 1.33.48
